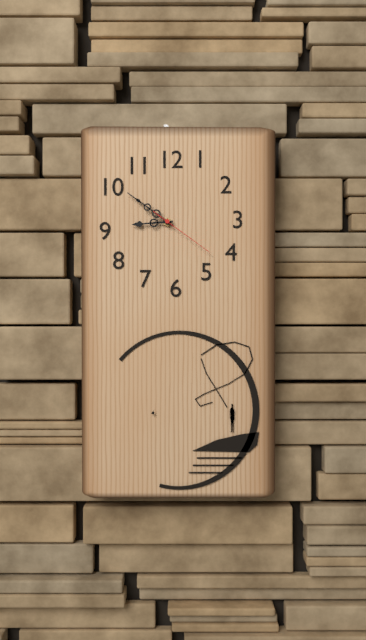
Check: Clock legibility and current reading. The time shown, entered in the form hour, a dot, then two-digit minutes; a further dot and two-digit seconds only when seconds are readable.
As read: 8.51.21
